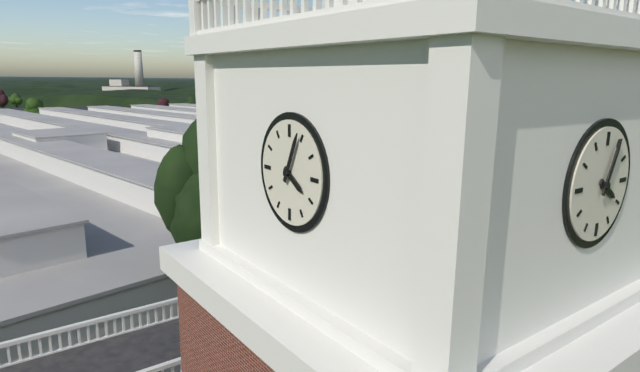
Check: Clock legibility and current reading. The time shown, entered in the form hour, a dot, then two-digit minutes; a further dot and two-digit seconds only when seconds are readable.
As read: 4.04
